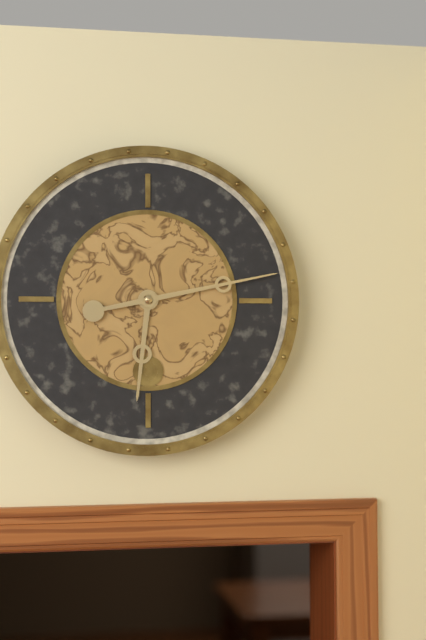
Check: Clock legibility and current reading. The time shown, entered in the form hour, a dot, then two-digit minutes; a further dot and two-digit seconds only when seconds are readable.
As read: 6.13
